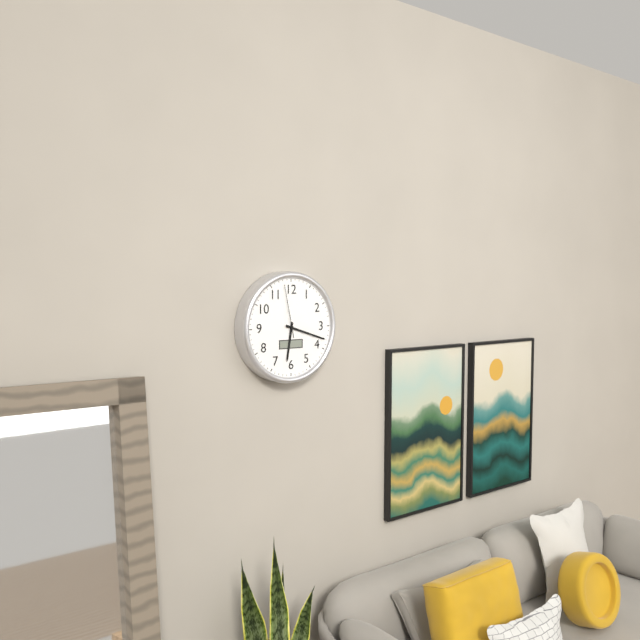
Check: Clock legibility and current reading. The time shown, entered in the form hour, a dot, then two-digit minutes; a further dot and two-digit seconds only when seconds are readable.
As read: 6.18.58
